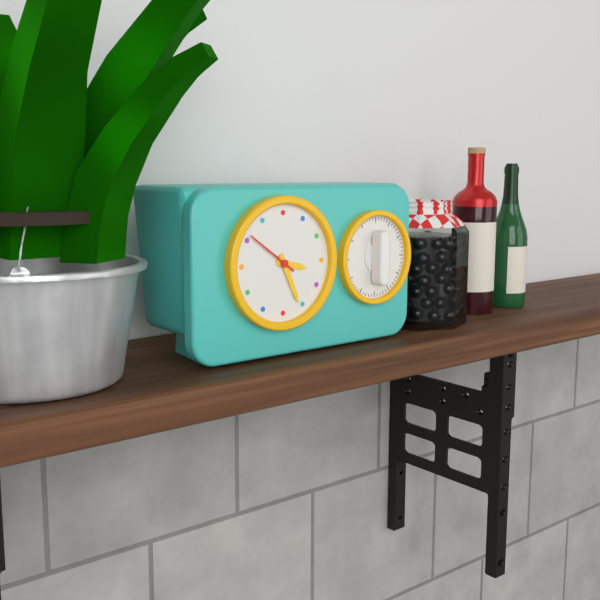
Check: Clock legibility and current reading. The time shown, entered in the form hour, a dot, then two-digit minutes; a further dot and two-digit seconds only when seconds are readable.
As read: 3.26.51
